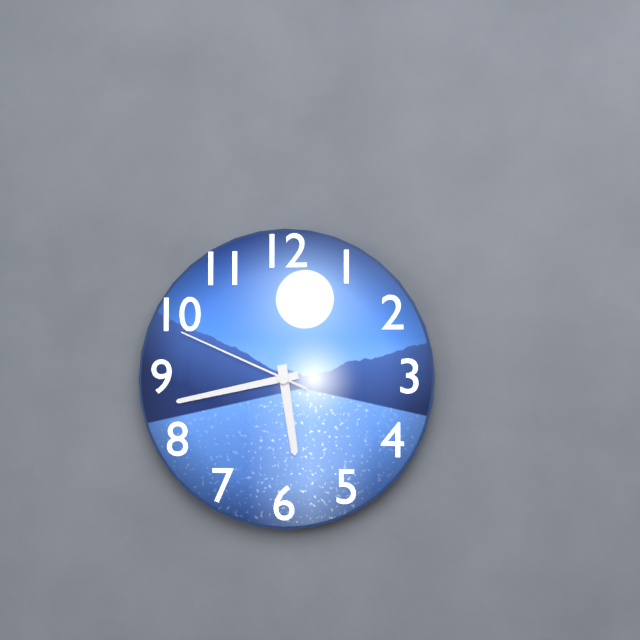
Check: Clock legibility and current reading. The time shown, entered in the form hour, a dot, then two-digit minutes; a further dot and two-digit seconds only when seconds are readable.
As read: 5.43.49
